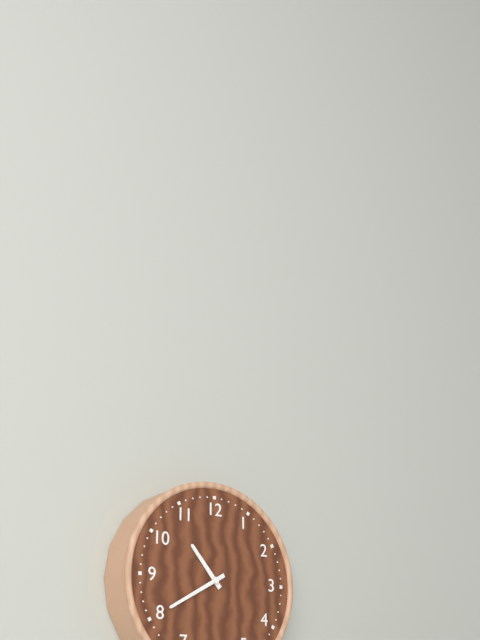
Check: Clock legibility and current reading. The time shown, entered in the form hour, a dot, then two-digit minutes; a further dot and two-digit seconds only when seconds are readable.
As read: 10.40
